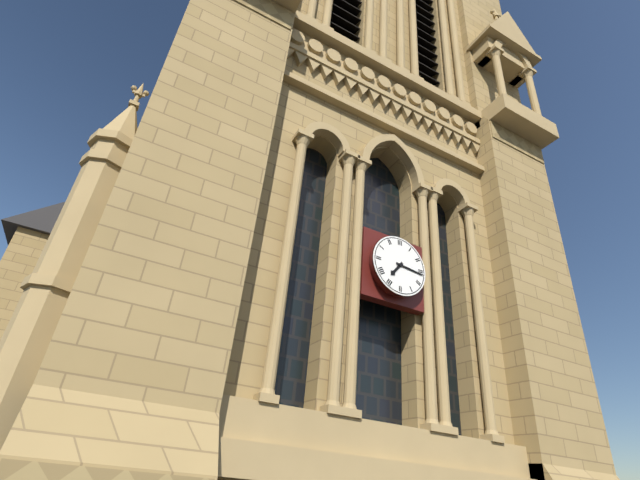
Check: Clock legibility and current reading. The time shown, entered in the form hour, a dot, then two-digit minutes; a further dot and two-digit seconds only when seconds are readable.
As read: 7.16
